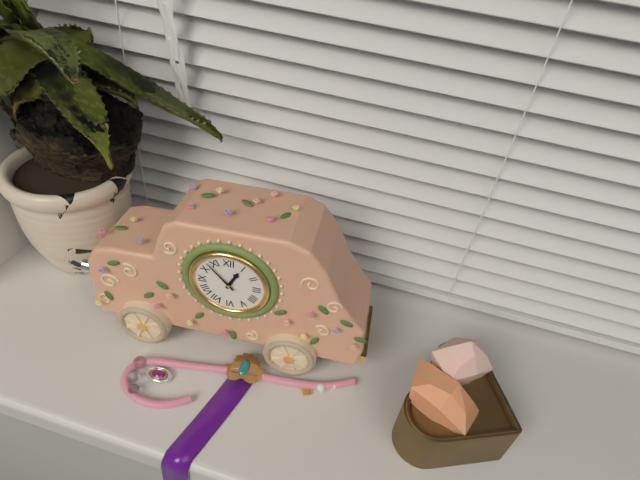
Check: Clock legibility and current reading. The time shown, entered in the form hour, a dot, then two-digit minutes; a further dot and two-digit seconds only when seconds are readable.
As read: 12.53
